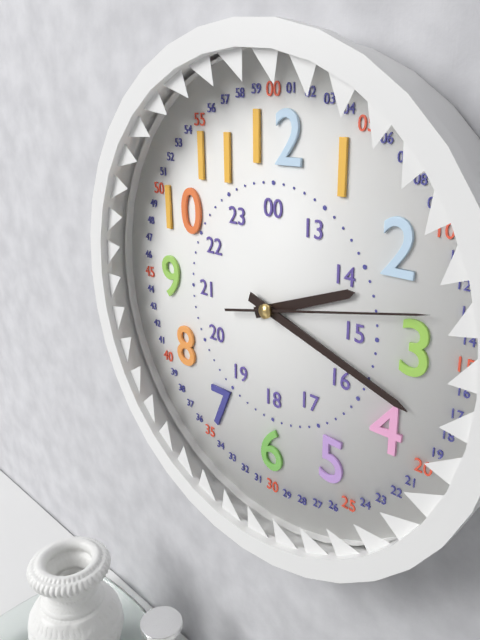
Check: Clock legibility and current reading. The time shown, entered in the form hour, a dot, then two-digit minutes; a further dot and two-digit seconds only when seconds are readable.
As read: 2.18.13
